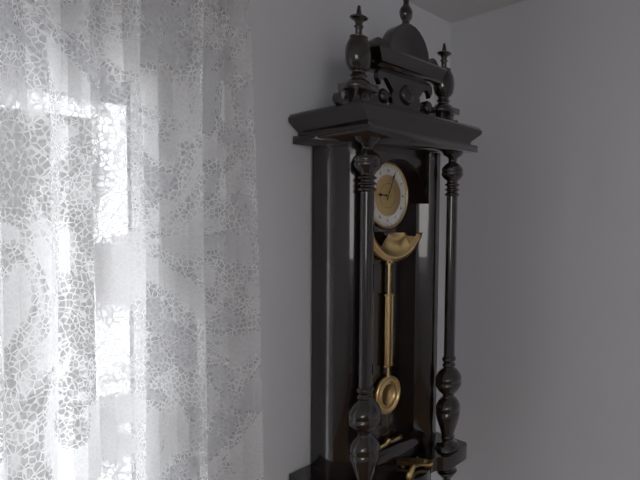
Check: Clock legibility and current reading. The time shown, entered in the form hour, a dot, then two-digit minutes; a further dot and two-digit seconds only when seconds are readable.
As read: 9.04
